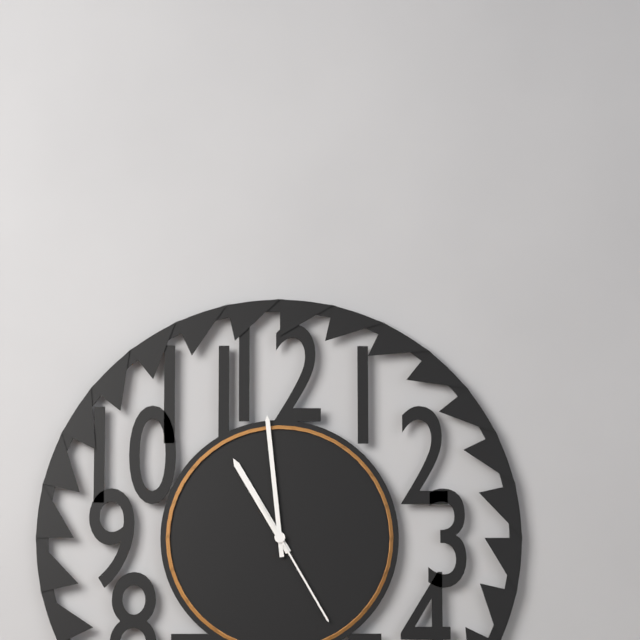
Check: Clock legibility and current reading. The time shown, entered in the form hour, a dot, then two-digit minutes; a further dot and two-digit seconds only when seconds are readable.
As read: 10.59.25
